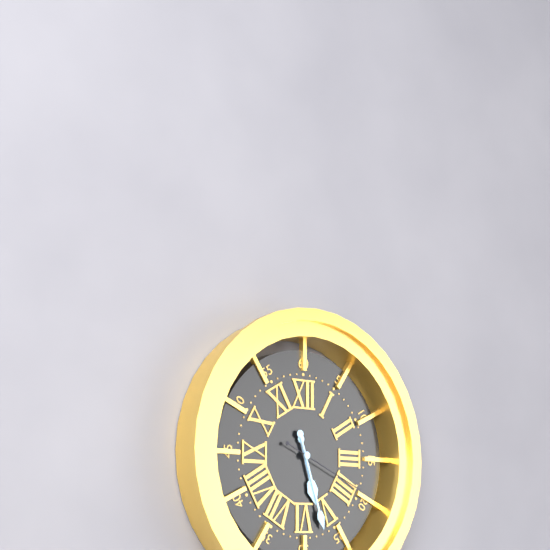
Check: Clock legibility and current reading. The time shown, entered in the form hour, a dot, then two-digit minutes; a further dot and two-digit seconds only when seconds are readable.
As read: 5.27.19
